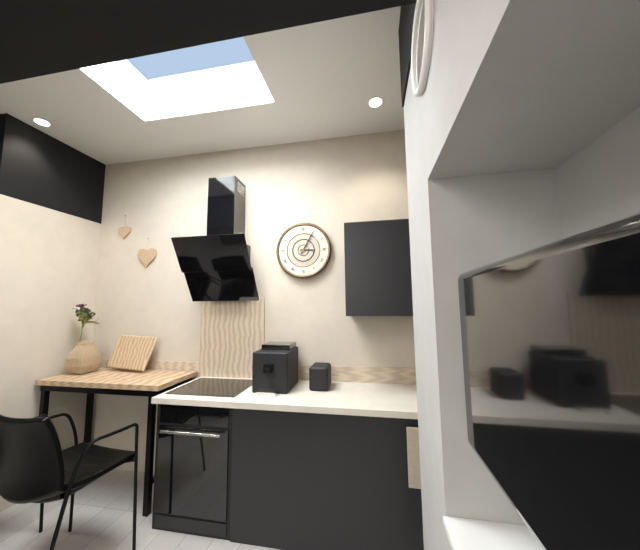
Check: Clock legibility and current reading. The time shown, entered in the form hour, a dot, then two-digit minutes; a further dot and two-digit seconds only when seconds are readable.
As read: 3.05
